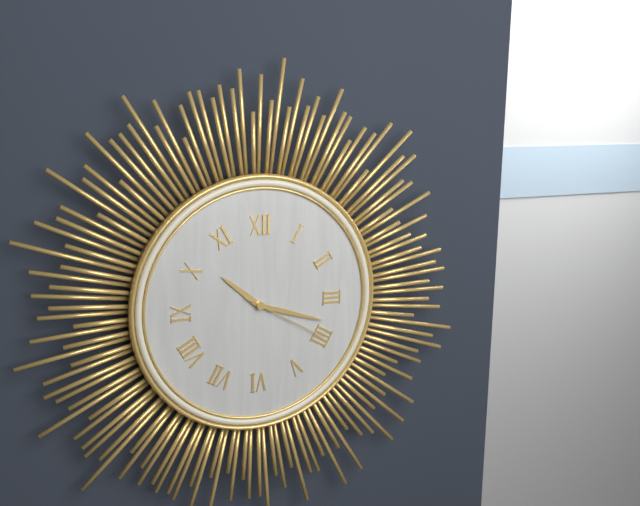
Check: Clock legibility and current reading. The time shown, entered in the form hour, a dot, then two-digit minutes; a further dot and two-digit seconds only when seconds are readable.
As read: 10.18.20
